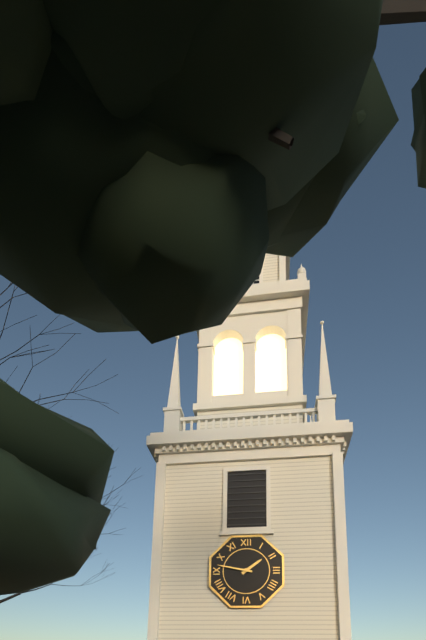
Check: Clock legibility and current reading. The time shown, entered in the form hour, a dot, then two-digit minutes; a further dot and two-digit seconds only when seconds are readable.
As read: 1.47
